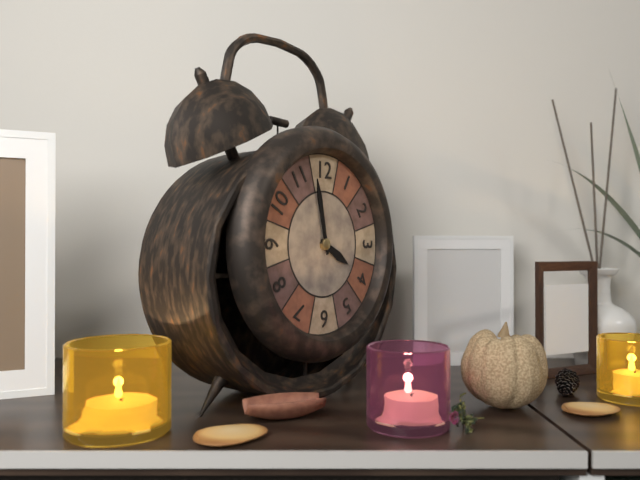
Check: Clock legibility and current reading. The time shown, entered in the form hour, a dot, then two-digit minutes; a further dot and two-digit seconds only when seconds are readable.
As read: 3.58
